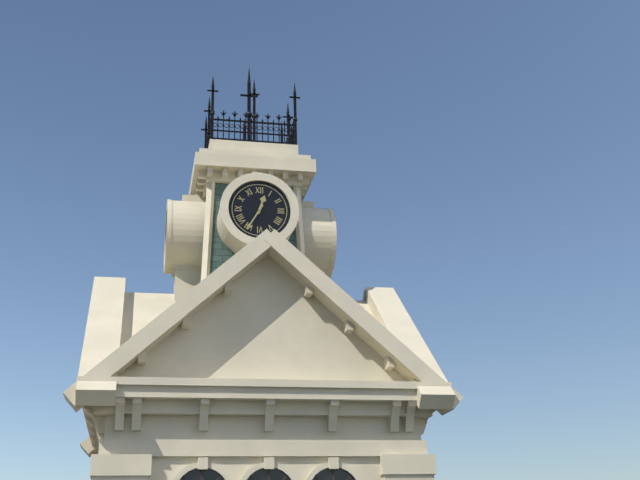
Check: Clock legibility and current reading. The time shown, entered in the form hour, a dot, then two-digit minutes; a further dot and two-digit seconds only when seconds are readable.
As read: 12.35
